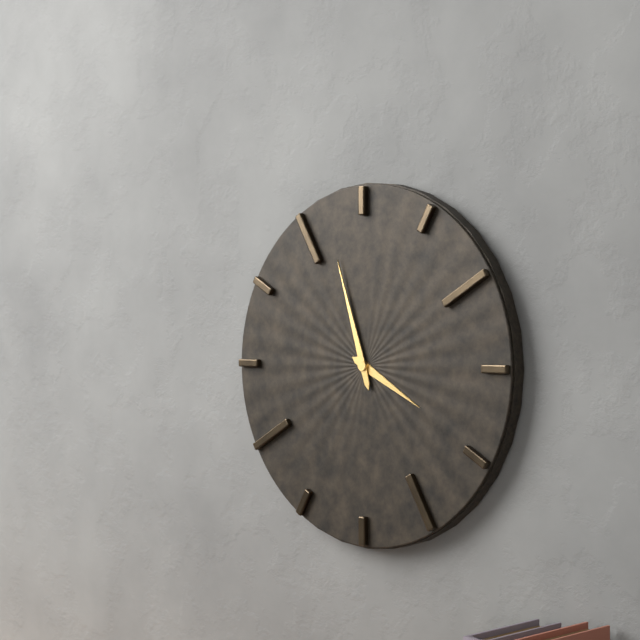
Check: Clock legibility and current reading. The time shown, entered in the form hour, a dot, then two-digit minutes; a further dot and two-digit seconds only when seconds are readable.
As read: 3.57
